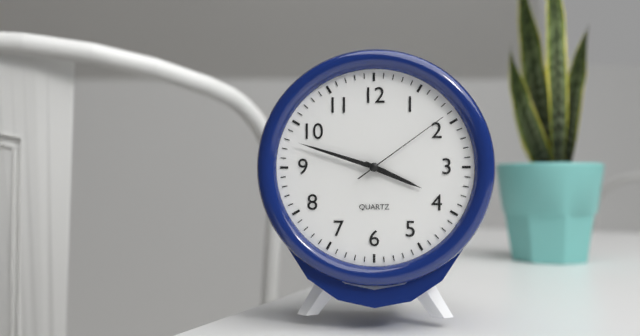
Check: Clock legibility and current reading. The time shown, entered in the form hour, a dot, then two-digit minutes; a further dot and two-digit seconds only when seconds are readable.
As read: 3.48.09
